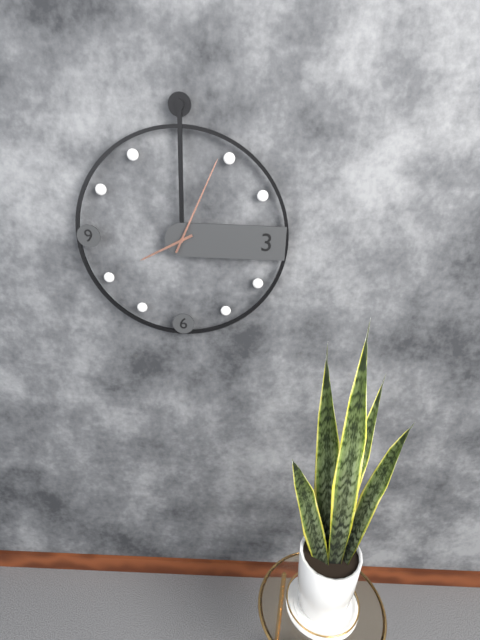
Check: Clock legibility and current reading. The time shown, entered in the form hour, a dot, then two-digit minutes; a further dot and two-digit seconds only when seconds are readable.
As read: 8.04
